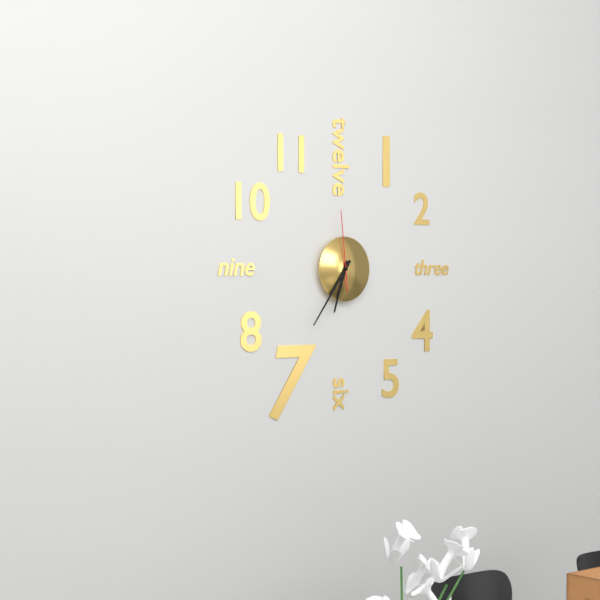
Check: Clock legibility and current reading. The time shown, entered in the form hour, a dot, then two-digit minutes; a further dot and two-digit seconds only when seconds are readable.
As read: 6.36.59
